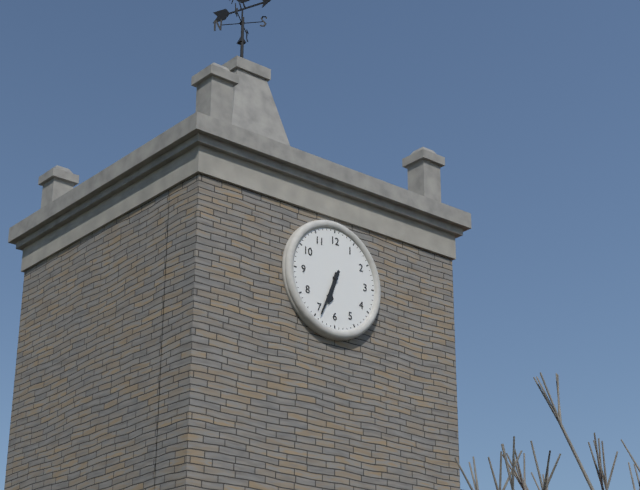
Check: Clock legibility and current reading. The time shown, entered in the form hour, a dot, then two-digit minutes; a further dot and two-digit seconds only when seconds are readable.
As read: 6.34
